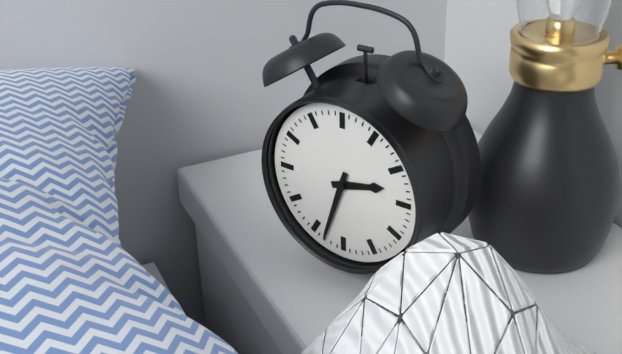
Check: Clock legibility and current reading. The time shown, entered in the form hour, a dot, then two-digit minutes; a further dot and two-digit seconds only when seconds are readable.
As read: 2.33
